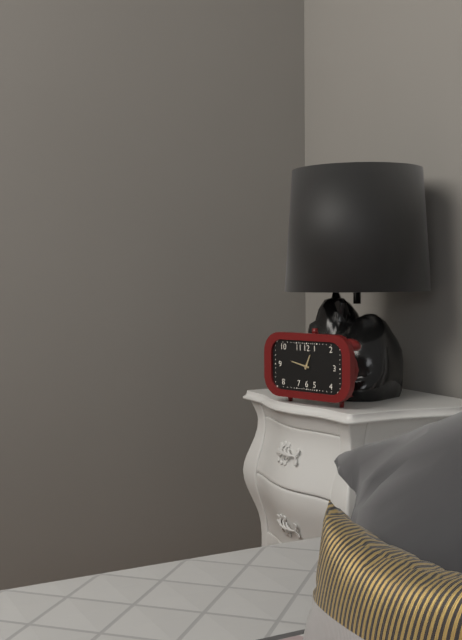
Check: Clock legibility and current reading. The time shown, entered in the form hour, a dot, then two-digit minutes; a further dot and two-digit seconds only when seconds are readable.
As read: 12.47
